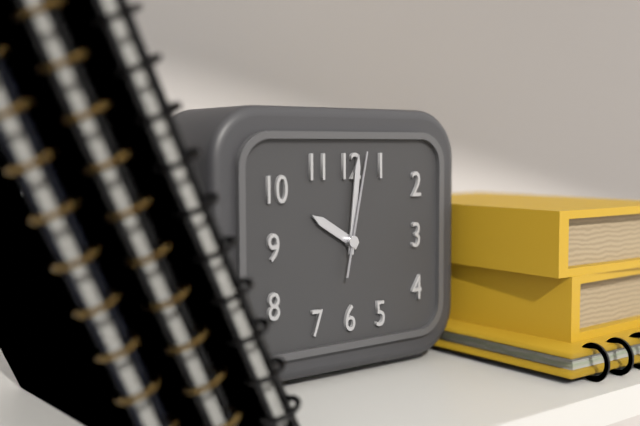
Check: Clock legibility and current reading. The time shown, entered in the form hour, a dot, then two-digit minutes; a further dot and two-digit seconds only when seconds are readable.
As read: 10.01.02
